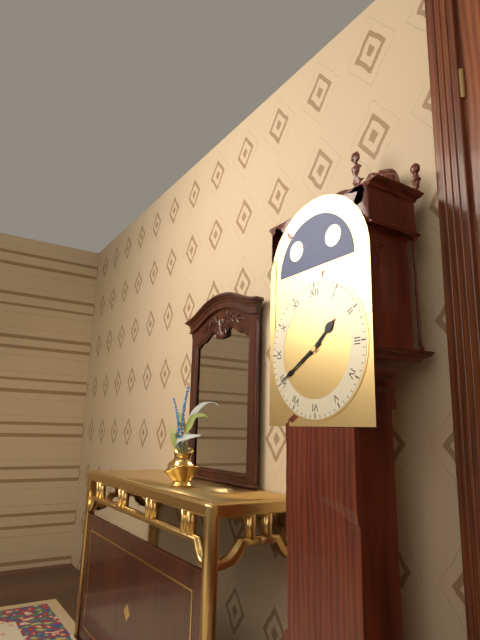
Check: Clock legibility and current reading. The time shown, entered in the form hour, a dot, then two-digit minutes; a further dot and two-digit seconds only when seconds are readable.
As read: 1.40
